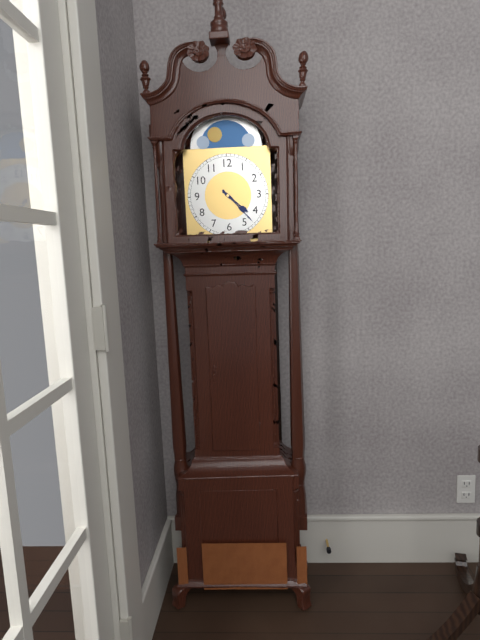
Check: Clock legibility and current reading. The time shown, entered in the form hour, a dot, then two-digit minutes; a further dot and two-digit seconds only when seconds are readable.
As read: 4.23
